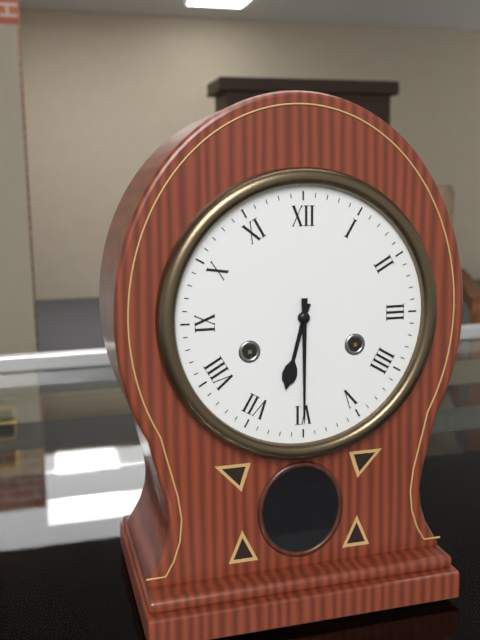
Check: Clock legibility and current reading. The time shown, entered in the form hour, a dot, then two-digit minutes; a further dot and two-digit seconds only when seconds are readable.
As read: 6.30
